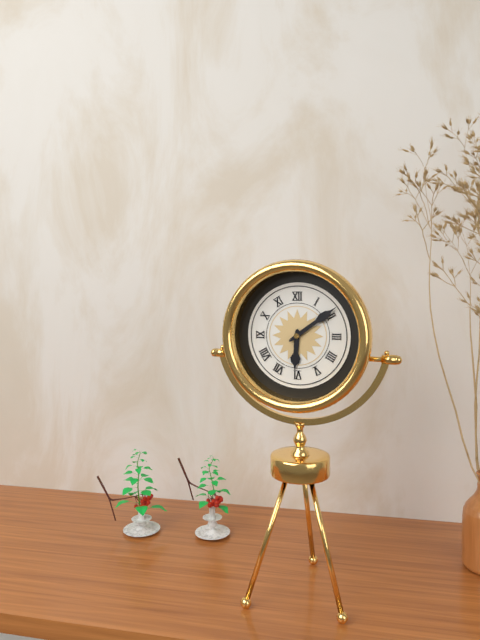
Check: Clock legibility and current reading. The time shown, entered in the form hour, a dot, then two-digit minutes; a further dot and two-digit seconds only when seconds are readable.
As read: 6.09
